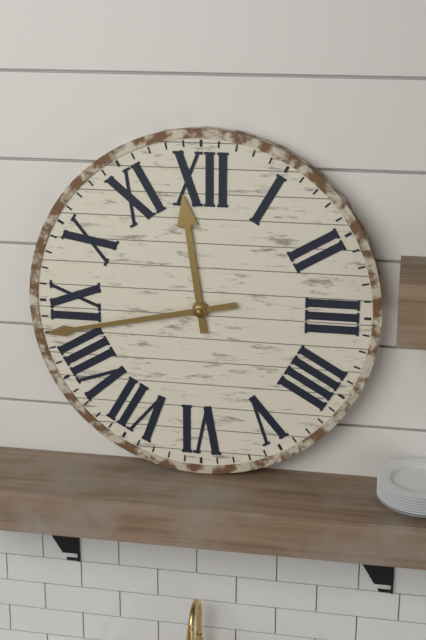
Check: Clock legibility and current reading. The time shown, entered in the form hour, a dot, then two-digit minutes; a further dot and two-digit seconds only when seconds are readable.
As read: 11.43
